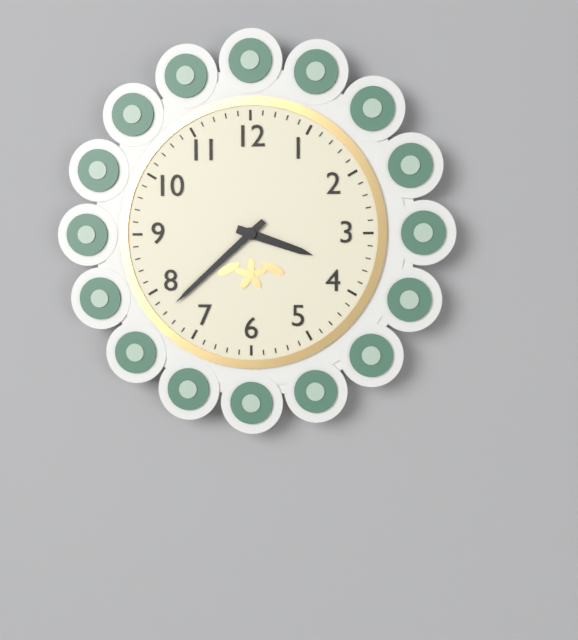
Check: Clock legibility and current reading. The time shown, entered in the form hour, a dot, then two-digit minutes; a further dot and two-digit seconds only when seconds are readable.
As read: 3.38
